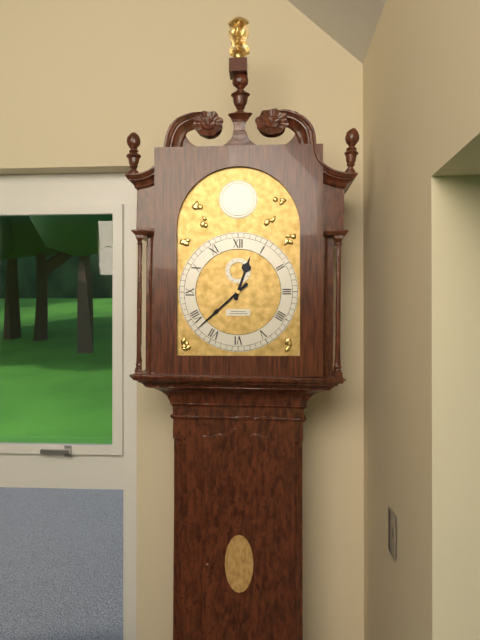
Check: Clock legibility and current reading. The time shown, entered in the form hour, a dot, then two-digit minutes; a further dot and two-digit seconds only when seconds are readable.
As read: 12.38
